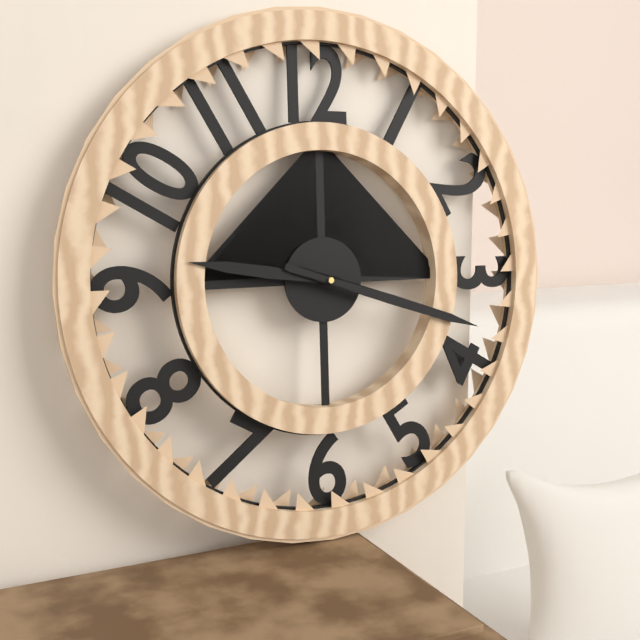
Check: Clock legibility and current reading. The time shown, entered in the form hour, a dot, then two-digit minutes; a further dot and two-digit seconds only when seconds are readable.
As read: 9.18
